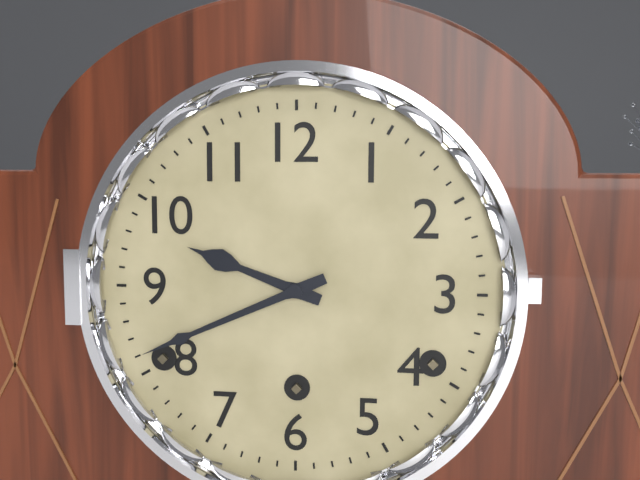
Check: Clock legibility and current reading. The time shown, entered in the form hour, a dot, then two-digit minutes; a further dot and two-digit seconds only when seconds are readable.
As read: 9.41
